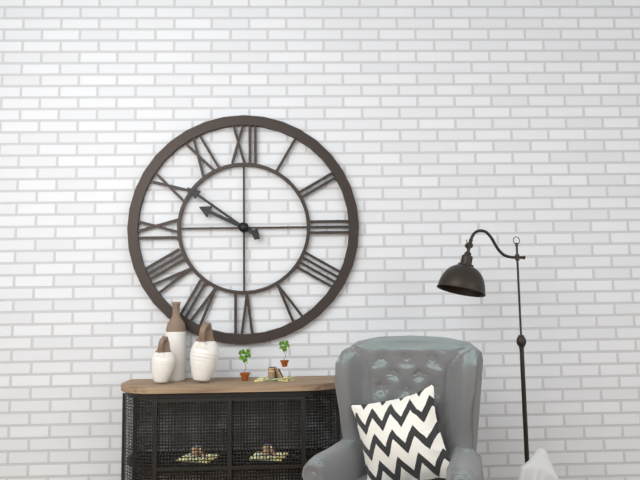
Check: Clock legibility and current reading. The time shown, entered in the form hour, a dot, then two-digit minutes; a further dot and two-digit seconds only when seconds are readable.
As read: 9.51
